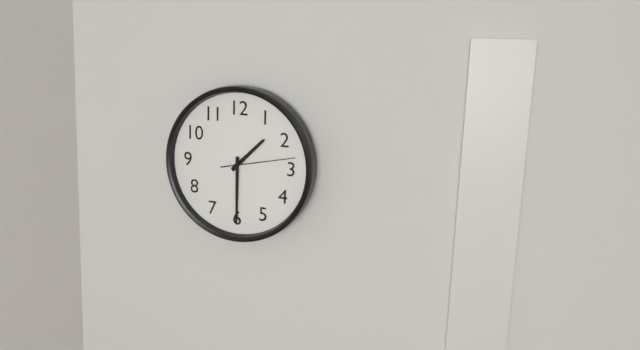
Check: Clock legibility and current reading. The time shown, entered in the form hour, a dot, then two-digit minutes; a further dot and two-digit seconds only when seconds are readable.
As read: 1.30.13
